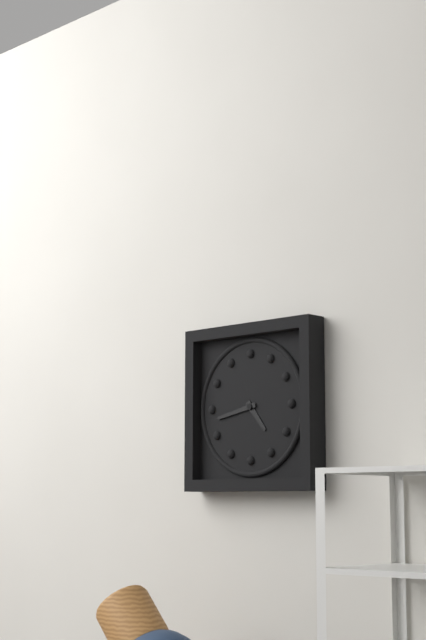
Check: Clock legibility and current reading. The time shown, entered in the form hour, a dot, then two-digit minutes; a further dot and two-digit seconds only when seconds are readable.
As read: 4.43
